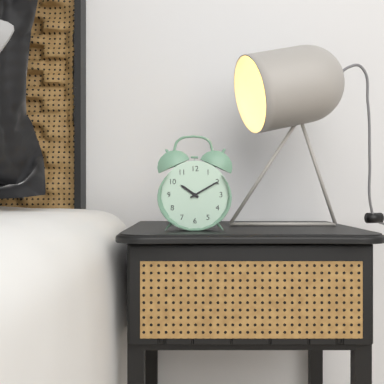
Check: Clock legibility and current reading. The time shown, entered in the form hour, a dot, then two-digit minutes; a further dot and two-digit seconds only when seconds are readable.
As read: 10.10
